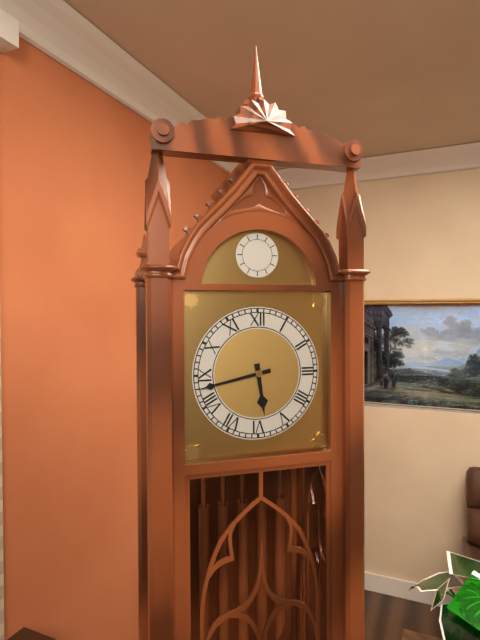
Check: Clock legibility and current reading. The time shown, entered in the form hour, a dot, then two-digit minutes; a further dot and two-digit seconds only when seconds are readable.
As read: 5.43
